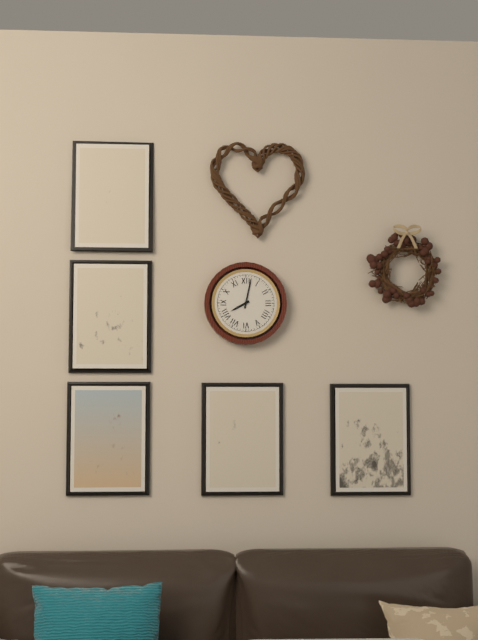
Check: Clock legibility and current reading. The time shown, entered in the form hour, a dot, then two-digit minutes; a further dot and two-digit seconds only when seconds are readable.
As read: 8.02
